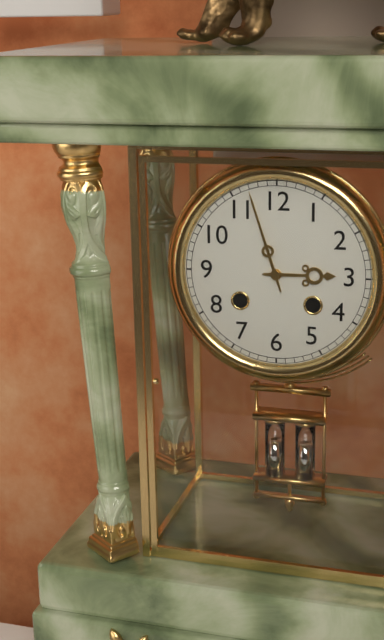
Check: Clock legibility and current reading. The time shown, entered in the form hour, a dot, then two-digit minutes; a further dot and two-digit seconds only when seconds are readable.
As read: 2.57
